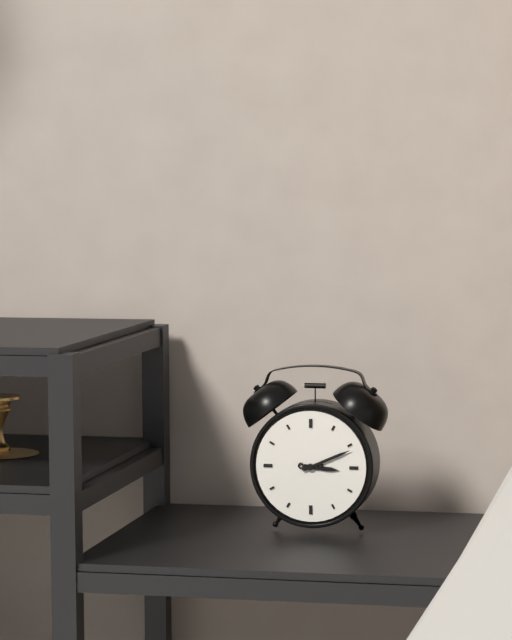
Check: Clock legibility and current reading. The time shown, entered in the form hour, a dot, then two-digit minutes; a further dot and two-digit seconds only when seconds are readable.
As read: 3.11
